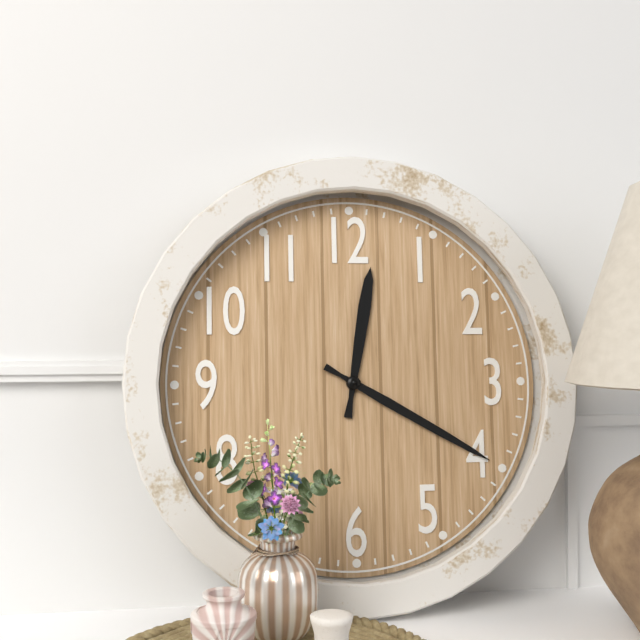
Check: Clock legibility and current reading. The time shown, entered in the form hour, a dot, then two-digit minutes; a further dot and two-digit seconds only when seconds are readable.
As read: 12.20
